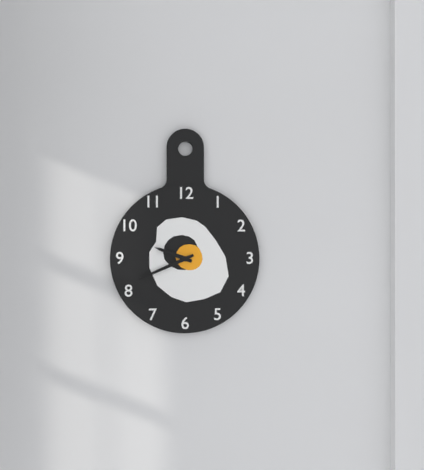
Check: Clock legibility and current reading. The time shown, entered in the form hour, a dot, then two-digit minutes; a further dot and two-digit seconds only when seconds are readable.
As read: 9.41
